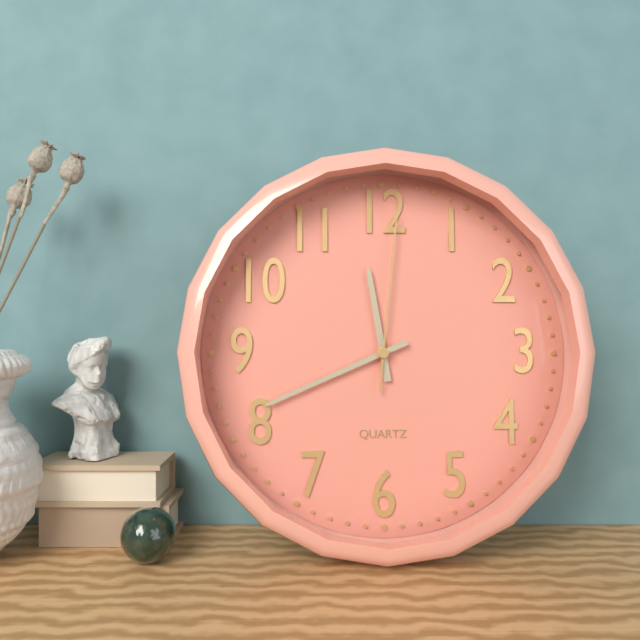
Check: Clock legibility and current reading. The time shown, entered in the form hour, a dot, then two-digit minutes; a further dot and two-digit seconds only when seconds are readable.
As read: 11.41.01
